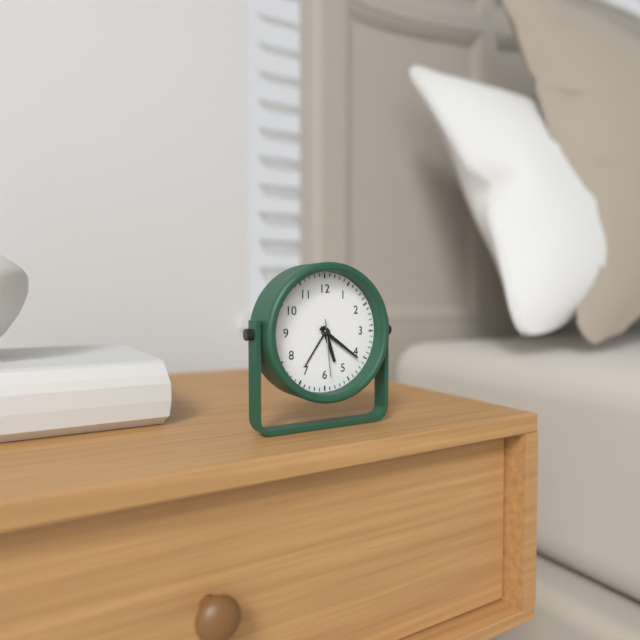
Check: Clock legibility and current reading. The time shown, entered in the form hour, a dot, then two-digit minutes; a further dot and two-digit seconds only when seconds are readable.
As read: 5.21.29
